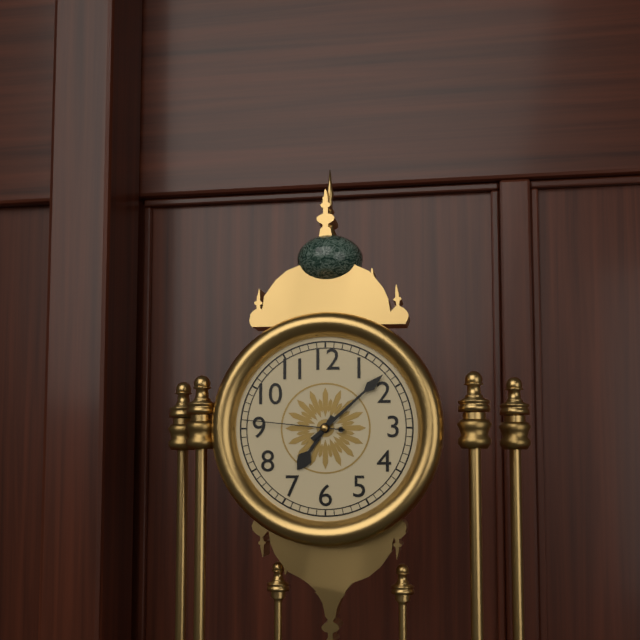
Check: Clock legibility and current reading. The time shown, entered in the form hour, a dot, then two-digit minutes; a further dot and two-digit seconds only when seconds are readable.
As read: 7.08.46
